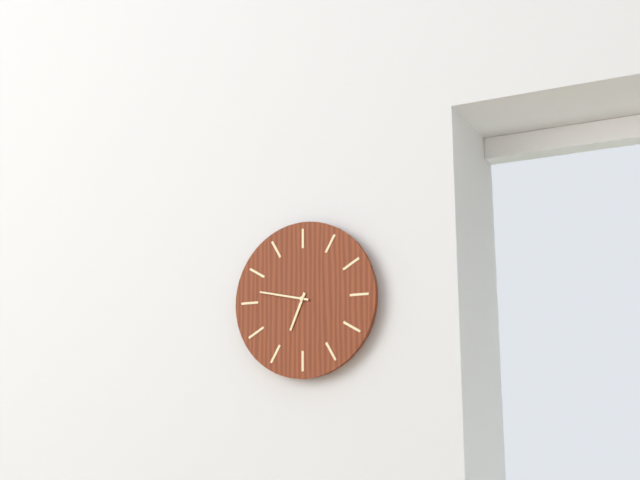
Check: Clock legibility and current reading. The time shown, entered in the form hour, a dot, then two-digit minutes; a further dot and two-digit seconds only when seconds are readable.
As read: 6.47
